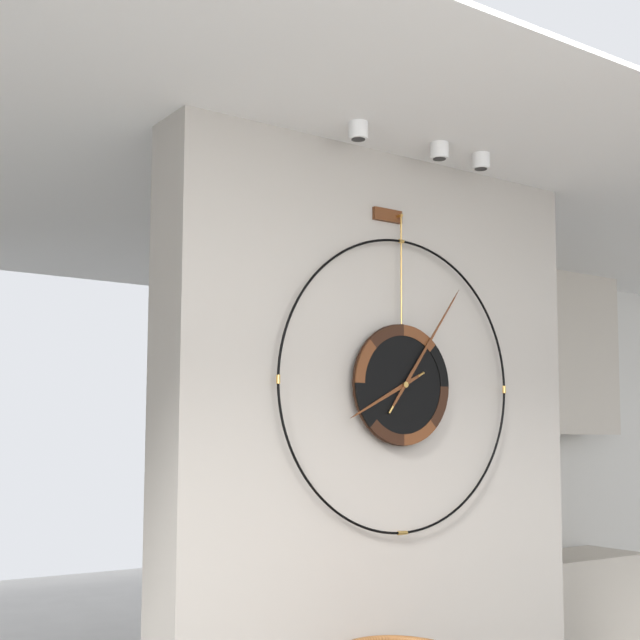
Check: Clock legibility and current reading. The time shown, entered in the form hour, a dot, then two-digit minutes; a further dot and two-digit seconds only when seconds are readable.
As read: 8.06
